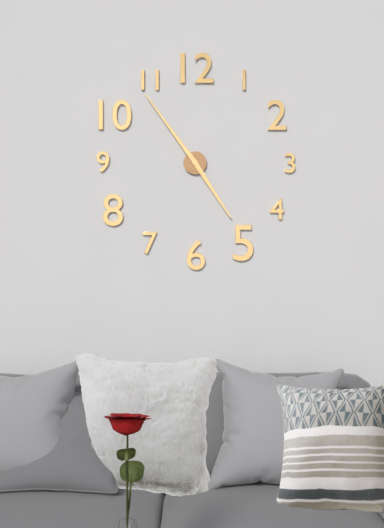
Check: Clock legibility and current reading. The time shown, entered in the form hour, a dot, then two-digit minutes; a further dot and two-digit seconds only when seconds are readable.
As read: 4.54
